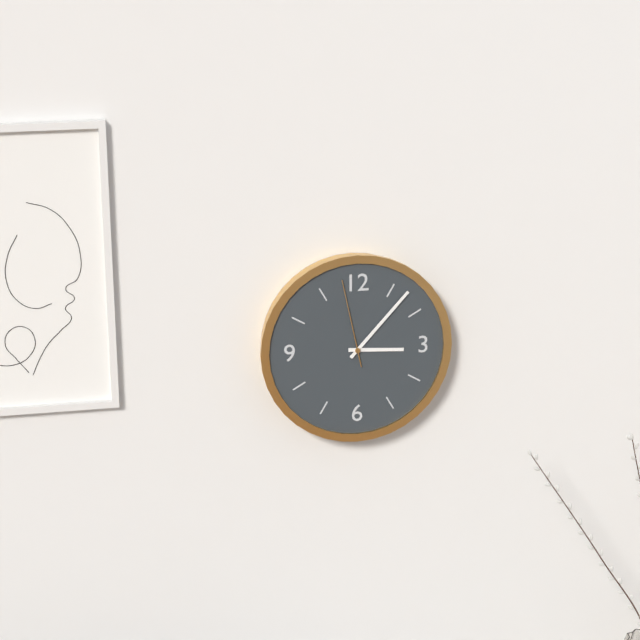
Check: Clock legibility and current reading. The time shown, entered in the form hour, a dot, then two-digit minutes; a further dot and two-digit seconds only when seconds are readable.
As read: 3.07.58
